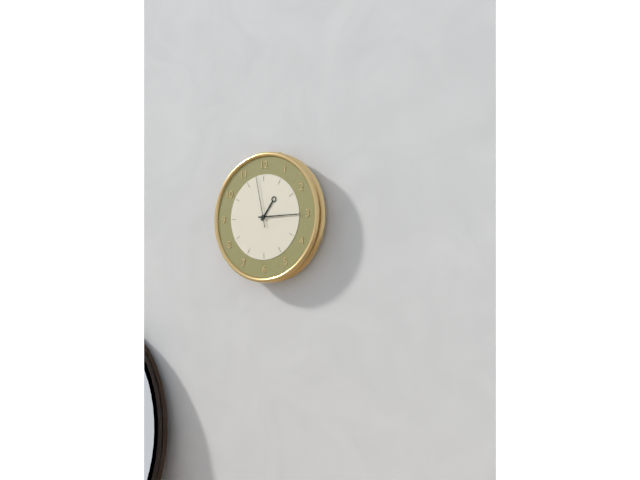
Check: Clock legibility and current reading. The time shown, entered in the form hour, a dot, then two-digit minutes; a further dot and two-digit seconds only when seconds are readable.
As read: 1.15.58
